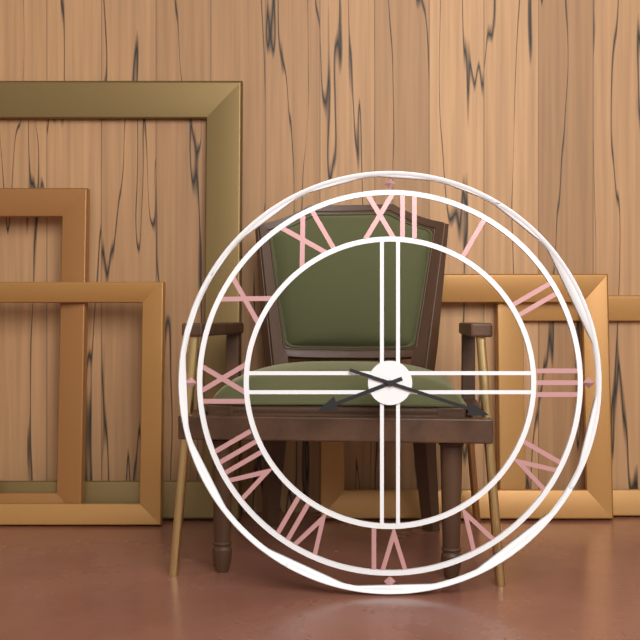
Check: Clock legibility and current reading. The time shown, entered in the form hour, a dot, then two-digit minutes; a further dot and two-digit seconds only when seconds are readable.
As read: 8.18
